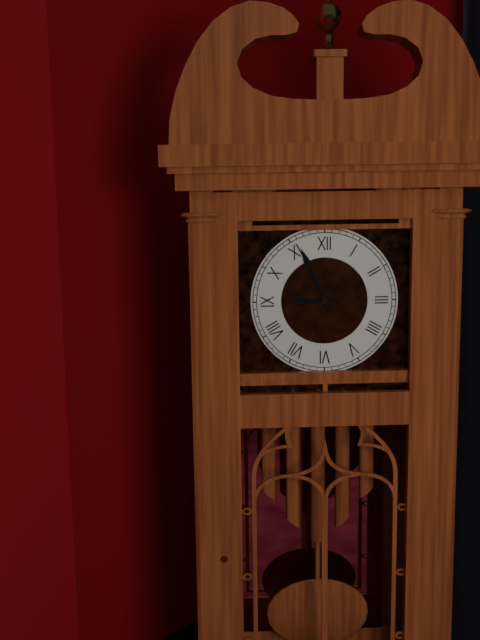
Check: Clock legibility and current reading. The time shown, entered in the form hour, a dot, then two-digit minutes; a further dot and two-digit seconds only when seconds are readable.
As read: 8.56
